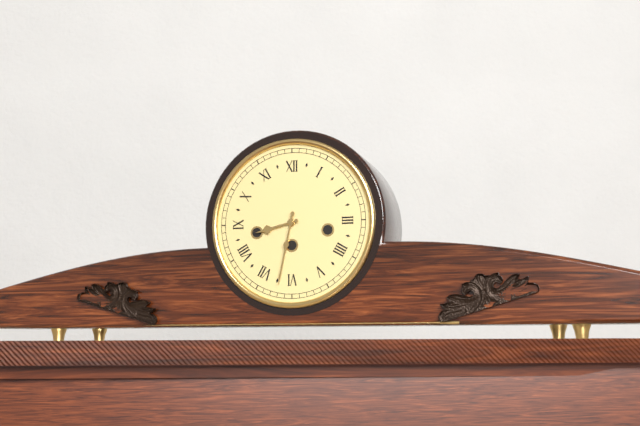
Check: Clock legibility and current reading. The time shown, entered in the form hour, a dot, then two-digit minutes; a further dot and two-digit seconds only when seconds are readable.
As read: 8.32
